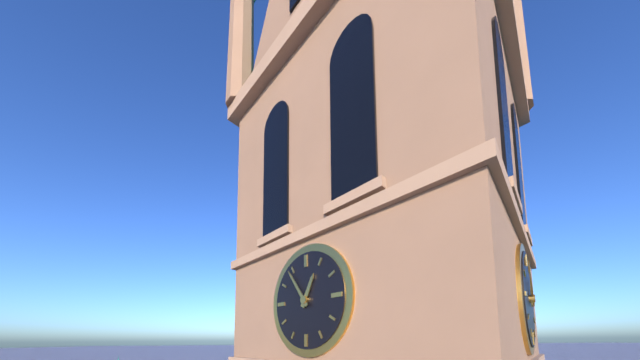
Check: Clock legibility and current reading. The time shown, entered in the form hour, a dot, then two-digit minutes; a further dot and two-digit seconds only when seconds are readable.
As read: 12.54
